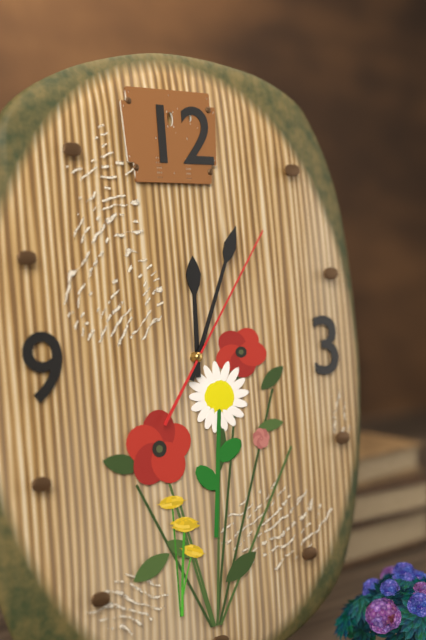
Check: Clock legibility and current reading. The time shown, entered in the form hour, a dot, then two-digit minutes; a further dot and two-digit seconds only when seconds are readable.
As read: 12.04.06
